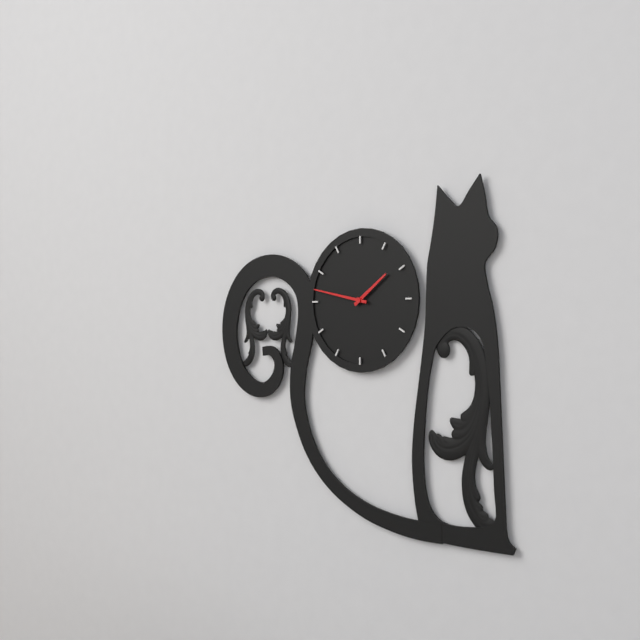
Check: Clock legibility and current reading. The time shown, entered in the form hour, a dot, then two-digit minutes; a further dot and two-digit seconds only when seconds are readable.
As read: 1.47
